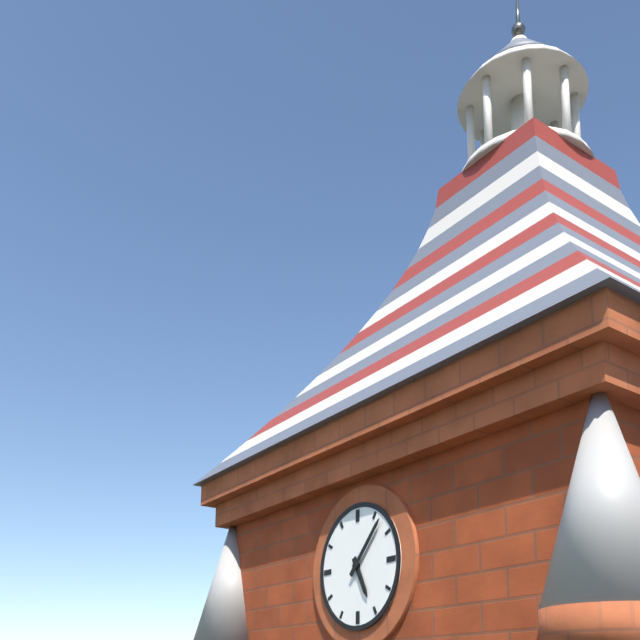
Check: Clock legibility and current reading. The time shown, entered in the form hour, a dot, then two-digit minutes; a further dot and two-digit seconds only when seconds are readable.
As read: 5.07
